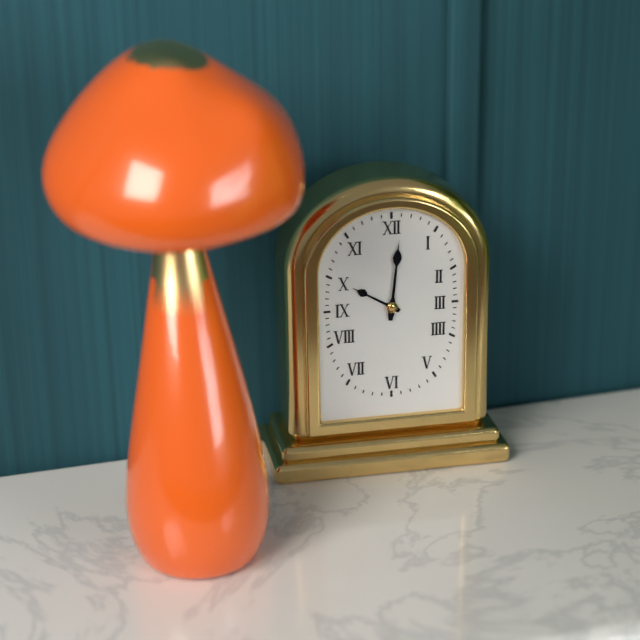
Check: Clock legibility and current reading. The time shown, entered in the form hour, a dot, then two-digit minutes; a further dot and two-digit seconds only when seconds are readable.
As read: 10.01
